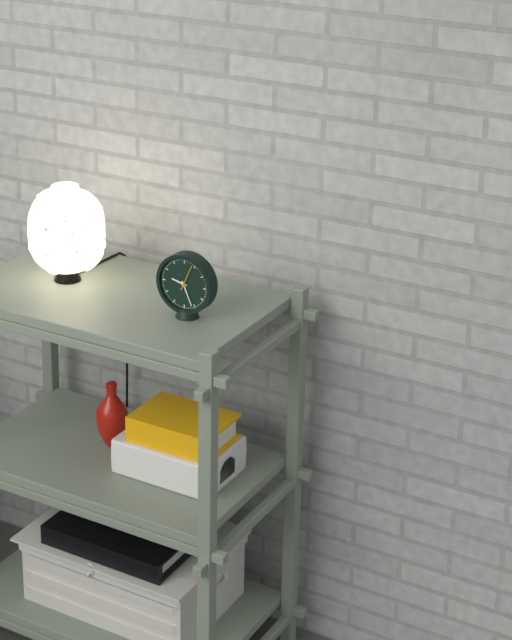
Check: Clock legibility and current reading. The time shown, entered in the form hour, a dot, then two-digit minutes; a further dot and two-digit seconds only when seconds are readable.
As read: 9.26
